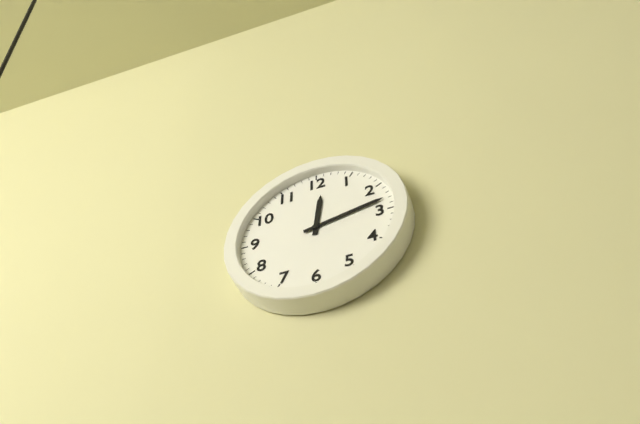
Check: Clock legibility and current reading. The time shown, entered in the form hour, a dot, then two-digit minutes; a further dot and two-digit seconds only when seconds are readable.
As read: 12.13
